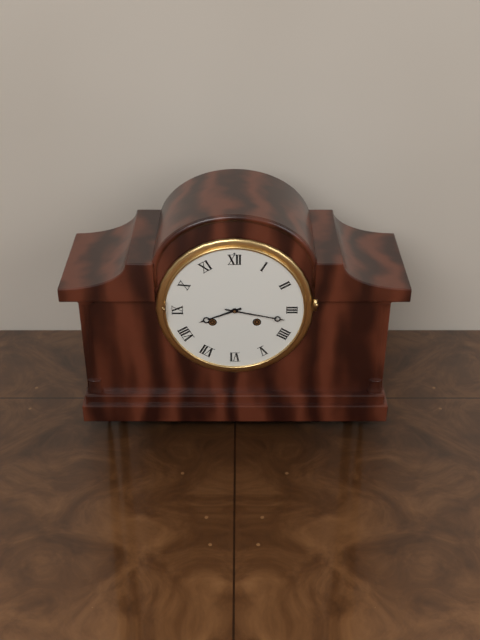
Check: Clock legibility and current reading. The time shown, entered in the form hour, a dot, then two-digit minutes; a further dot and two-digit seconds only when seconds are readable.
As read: 8.17
